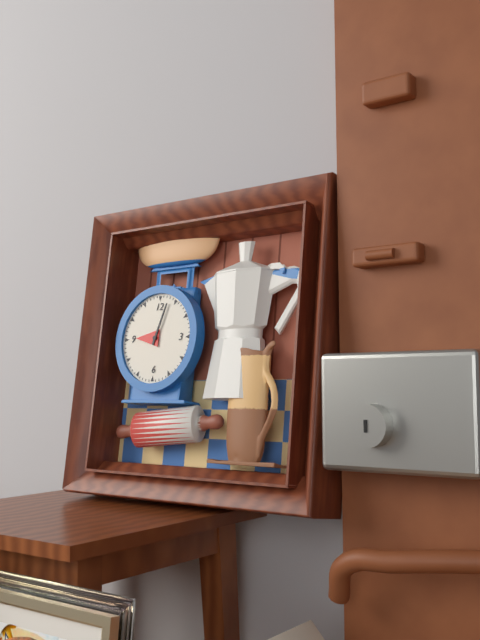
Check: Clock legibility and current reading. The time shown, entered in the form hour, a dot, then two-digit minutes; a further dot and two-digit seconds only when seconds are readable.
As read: 9.03
